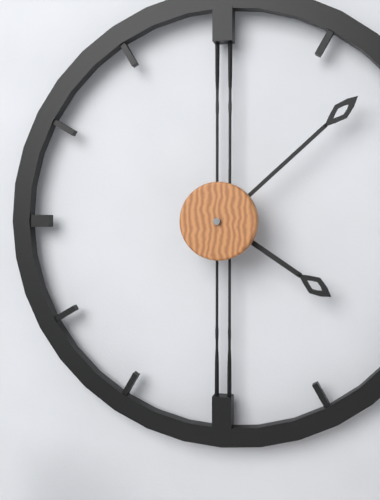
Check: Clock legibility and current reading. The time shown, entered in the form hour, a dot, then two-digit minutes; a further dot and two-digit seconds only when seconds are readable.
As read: 4.08
